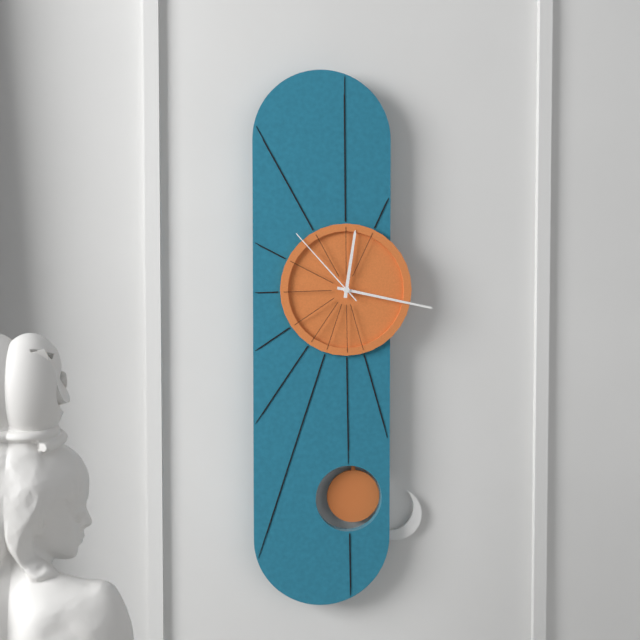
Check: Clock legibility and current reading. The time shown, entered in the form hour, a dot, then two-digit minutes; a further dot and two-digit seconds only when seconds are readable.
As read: 12.17.53
